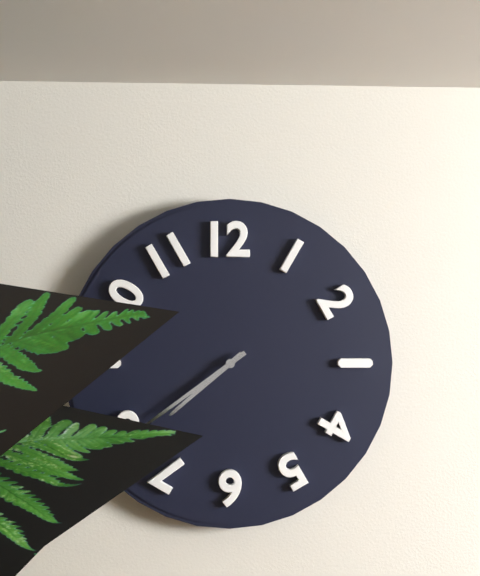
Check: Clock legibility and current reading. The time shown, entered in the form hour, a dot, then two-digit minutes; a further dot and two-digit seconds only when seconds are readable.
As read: 7.39
